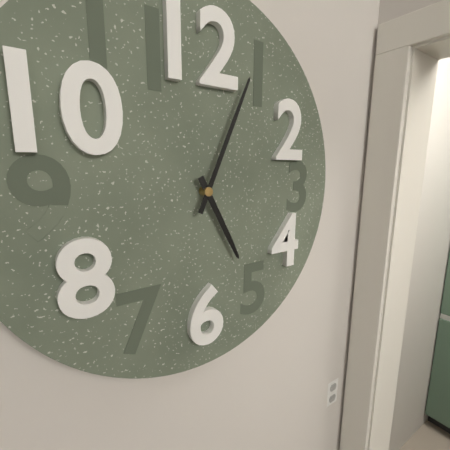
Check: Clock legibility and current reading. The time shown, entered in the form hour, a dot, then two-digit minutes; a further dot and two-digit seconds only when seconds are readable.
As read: 5.04
